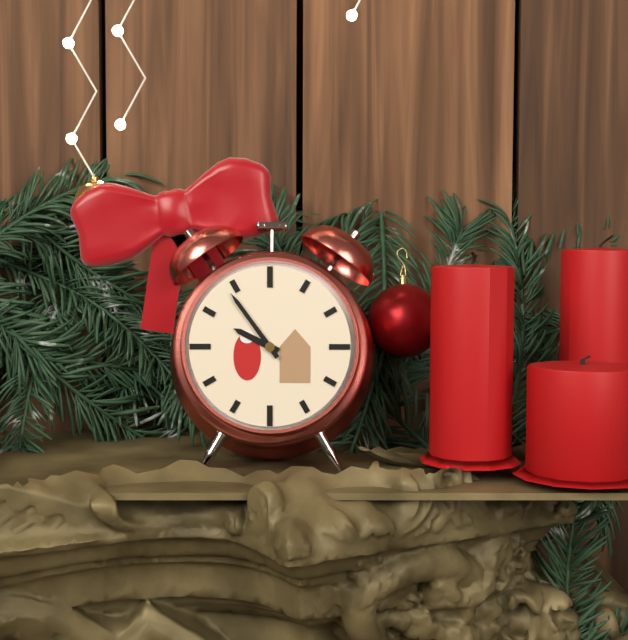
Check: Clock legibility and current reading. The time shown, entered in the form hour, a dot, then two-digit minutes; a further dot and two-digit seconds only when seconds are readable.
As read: 9.54
